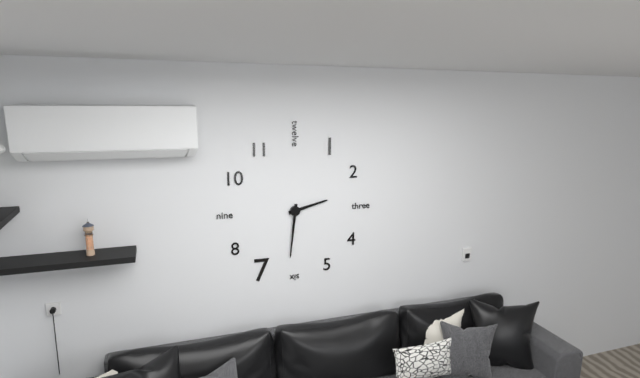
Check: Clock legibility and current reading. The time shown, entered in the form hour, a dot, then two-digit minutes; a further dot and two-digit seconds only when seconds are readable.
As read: 2.31
